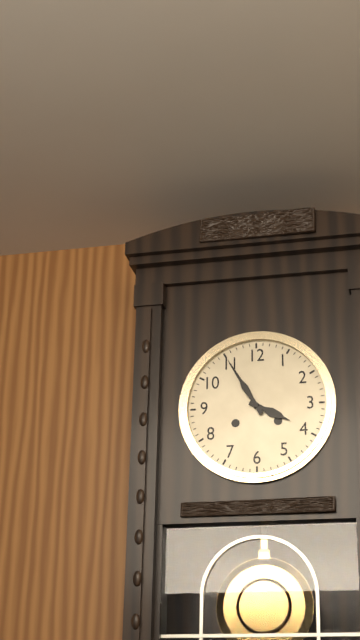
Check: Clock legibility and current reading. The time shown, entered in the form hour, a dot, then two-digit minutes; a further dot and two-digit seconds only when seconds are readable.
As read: 3.55
